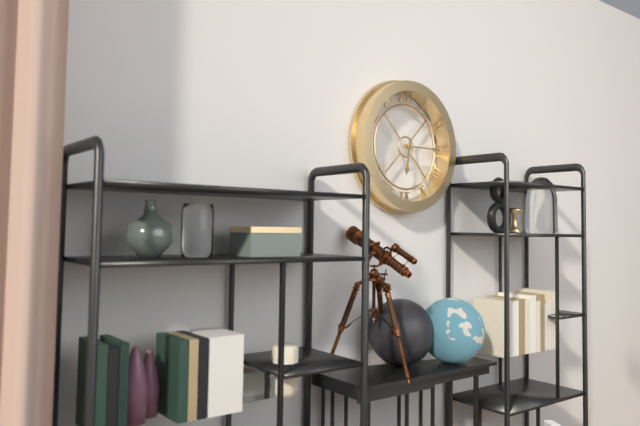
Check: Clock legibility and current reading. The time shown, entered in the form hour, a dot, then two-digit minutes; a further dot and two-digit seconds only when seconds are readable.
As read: 6.15
